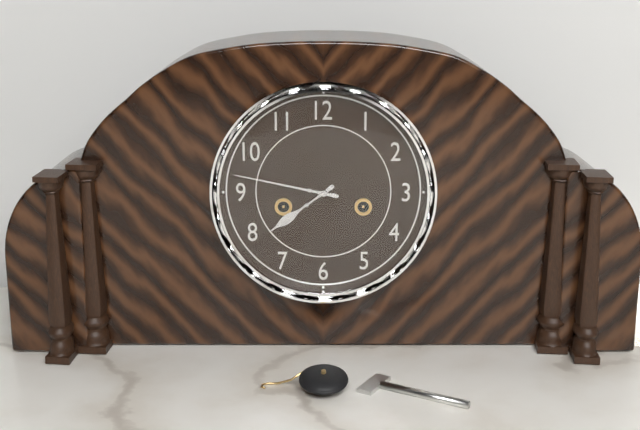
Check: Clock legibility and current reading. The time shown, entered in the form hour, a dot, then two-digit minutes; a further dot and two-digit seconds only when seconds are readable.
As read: 7.47
